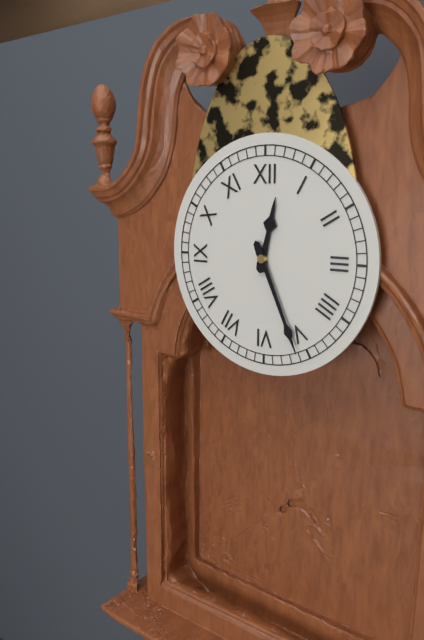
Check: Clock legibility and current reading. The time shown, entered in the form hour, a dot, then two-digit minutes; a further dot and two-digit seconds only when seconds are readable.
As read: 12.26
